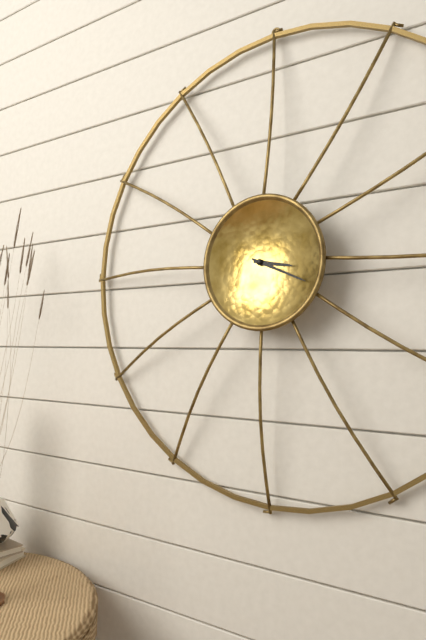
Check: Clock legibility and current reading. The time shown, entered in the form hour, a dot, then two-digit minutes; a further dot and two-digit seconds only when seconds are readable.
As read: 3.19
